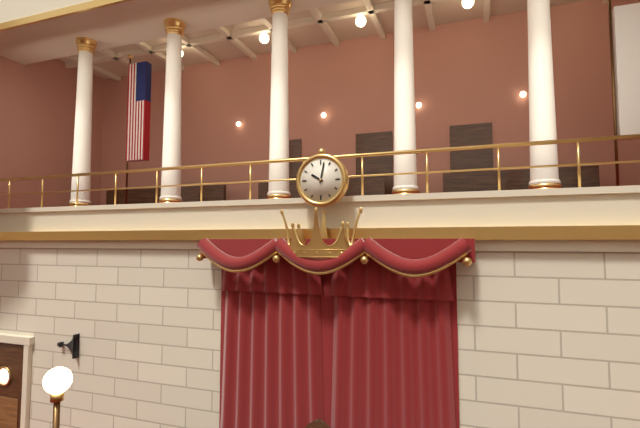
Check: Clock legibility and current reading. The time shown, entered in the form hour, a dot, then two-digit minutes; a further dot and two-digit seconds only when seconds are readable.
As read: 10.02
